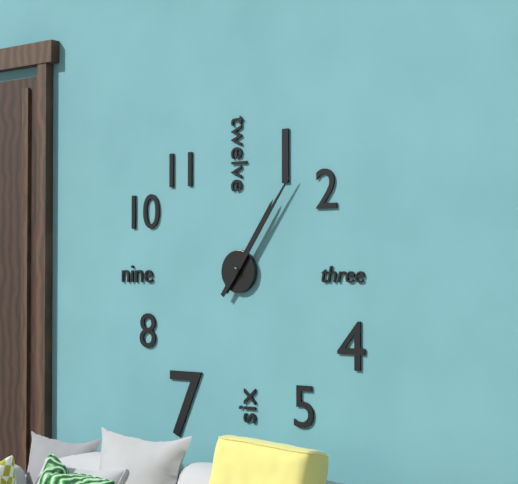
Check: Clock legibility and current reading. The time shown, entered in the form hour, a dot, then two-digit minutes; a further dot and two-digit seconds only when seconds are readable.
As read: 1.06
